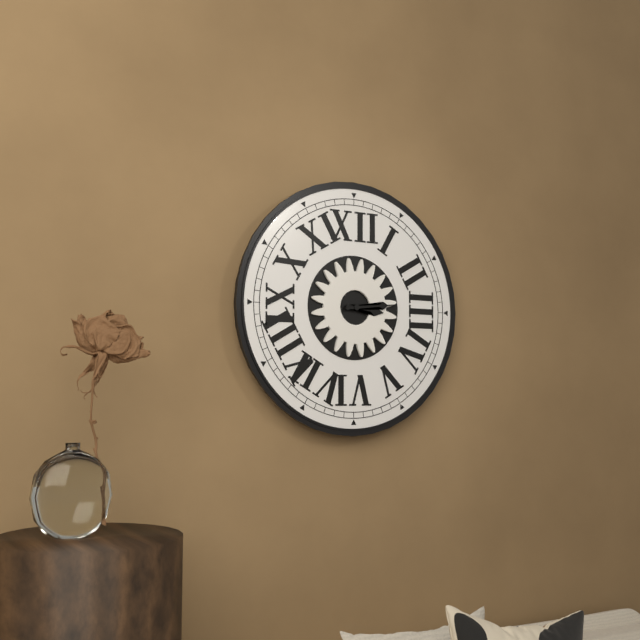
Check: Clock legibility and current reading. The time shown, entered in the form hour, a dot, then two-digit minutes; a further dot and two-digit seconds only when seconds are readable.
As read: 3.14
